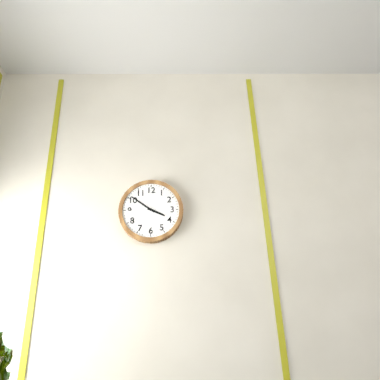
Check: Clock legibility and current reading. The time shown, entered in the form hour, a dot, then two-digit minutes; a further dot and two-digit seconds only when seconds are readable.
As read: 3.51
